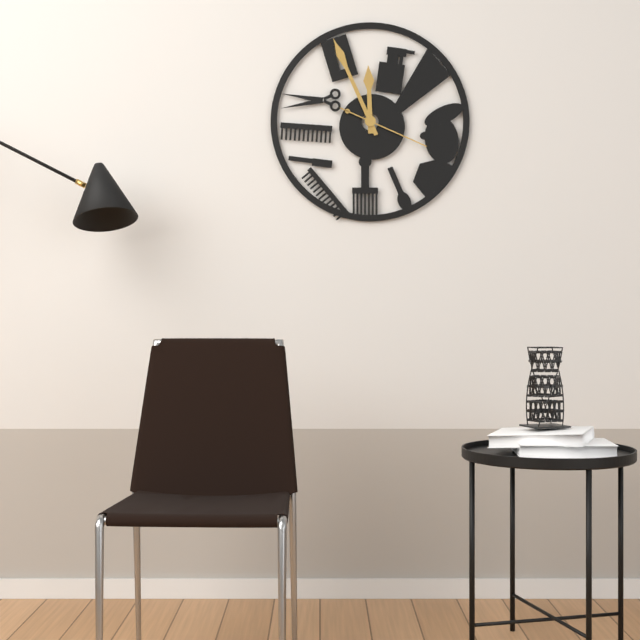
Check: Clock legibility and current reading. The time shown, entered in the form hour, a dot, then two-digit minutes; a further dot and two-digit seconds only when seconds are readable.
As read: 11.56.19
